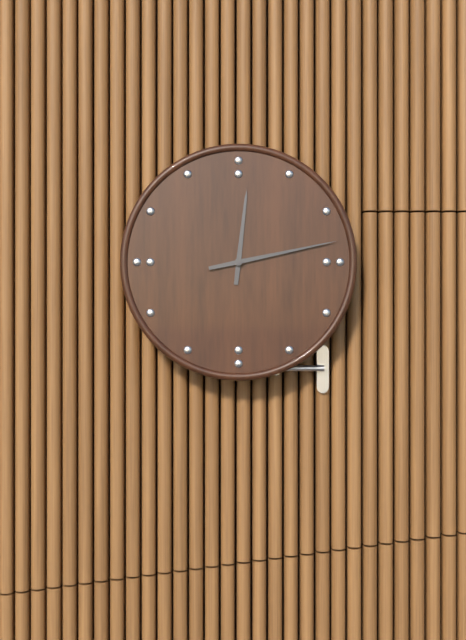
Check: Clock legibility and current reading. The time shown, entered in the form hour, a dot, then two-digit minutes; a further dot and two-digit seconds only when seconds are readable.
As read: 12.13
